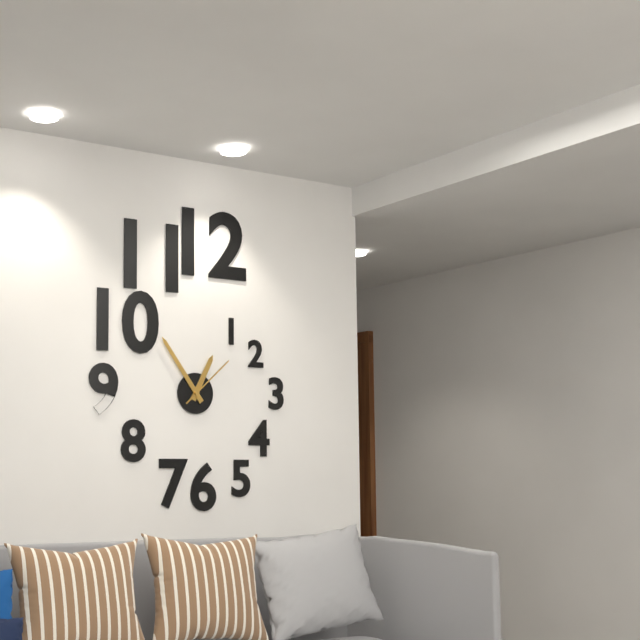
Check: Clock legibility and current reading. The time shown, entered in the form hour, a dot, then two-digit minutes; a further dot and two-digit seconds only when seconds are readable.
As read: 12.54.08
